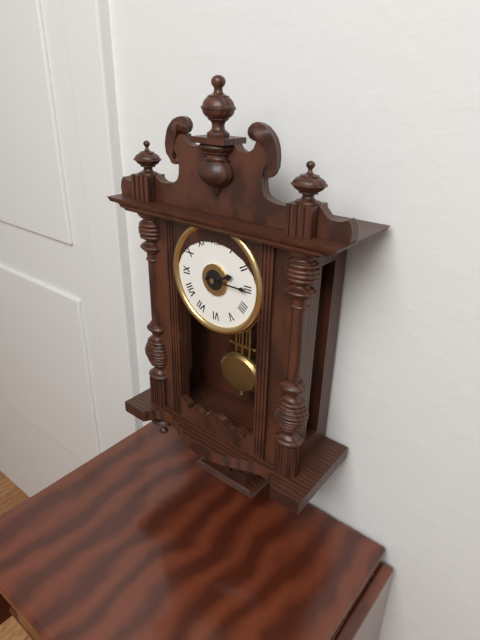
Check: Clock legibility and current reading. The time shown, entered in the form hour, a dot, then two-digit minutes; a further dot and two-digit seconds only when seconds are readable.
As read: 2.15
